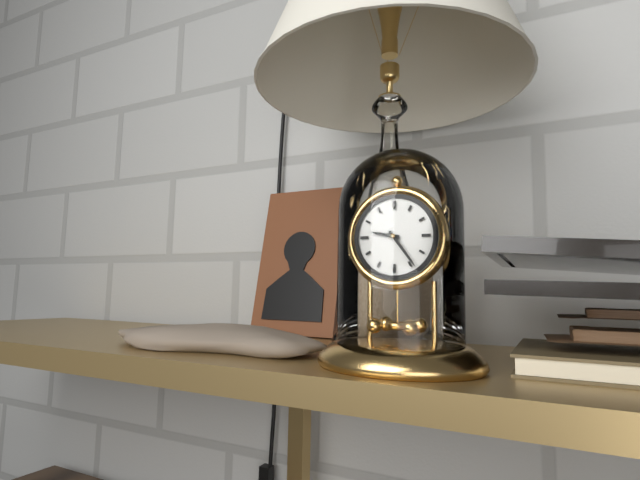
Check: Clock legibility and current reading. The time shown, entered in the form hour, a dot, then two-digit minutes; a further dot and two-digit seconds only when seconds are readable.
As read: 9.24
